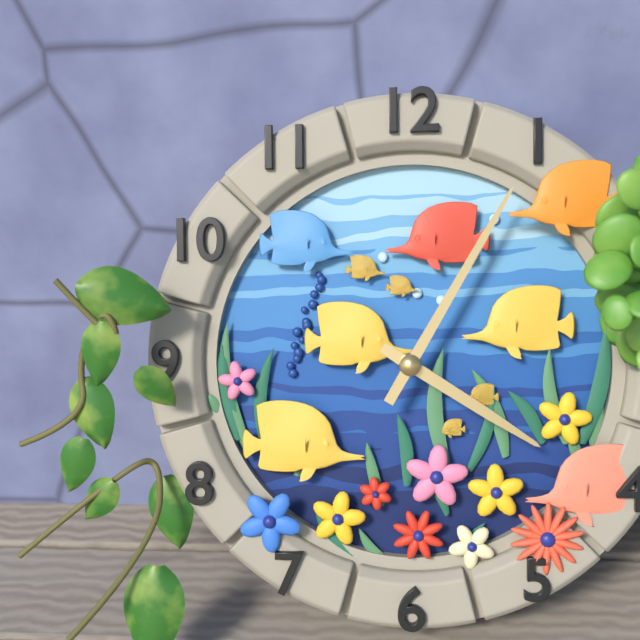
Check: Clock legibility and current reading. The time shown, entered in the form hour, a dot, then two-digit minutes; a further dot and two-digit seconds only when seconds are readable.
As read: 4.05
